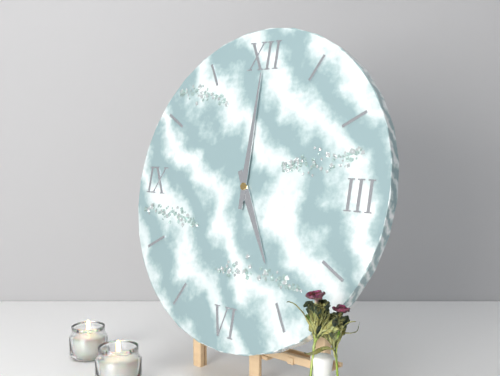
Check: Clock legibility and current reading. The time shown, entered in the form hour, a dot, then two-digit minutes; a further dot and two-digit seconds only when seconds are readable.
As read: 5.00
